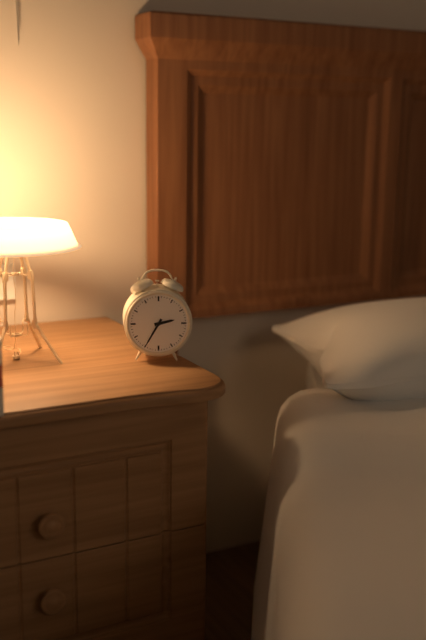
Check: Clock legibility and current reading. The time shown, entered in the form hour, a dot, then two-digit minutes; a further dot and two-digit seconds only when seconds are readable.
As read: 2.35
